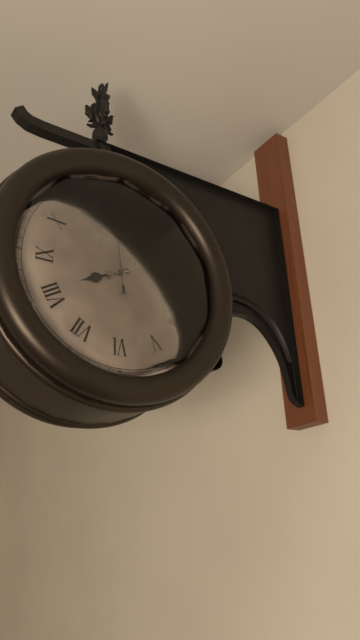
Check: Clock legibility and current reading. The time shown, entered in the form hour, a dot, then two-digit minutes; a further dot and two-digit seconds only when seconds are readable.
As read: 8.12.59
